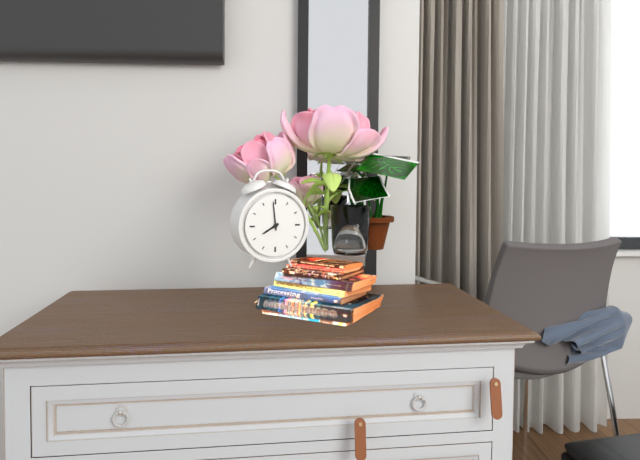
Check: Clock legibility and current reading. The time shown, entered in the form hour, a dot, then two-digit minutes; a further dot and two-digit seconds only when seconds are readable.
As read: 7.59
